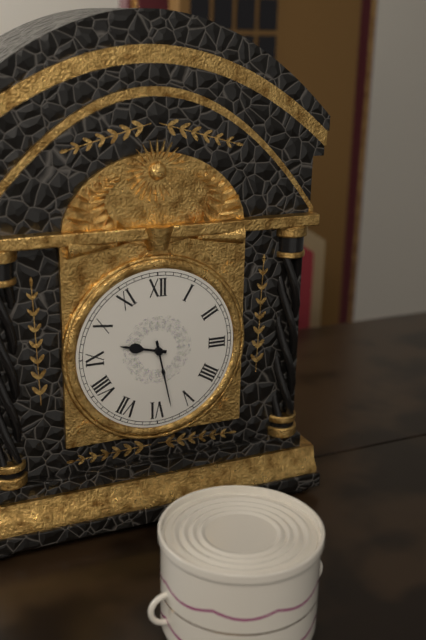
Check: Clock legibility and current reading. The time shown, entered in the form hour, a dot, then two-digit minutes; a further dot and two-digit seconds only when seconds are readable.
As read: 9.28
